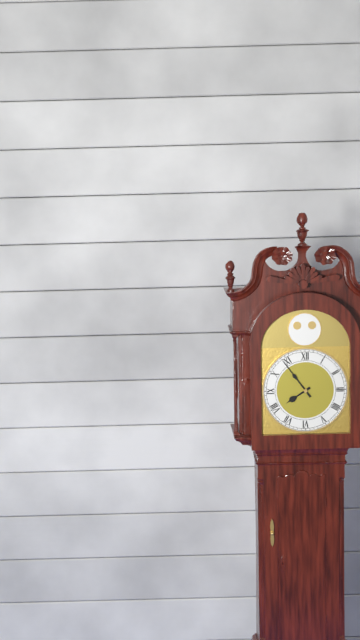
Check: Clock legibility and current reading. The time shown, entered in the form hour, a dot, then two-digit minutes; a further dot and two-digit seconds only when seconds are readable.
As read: 7.54
